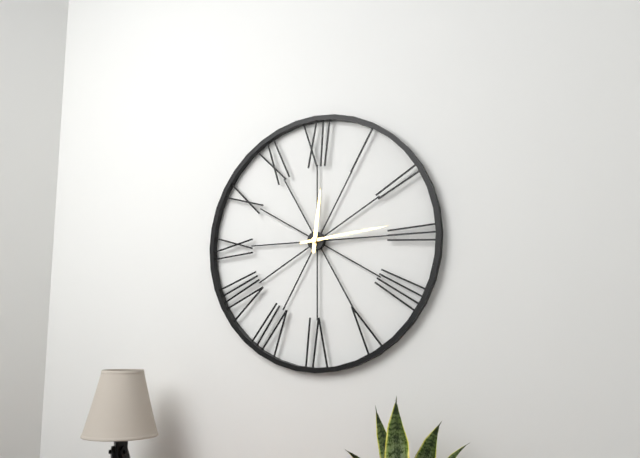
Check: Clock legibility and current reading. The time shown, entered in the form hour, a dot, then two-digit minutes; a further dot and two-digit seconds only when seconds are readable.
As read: 12.14
